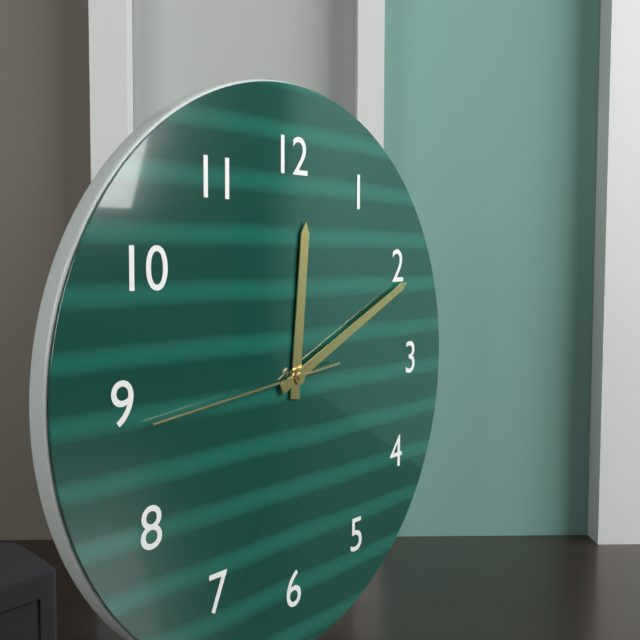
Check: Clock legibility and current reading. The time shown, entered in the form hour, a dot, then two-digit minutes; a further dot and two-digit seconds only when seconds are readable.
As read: 12.11.44
